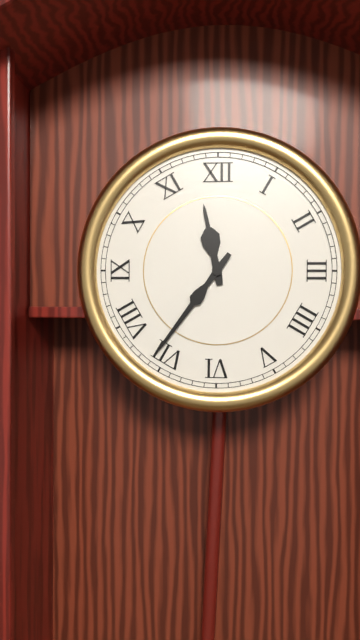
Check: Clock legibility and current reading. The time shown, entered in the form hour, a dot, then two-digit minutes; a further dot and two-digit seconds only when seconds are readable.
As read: 11.36
